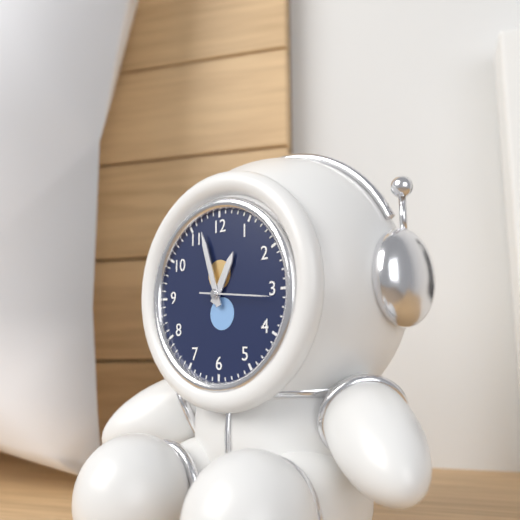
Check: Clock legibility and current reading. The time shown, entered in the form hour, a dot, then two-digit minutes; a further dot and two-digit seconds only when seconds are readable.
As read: 12.57.16
